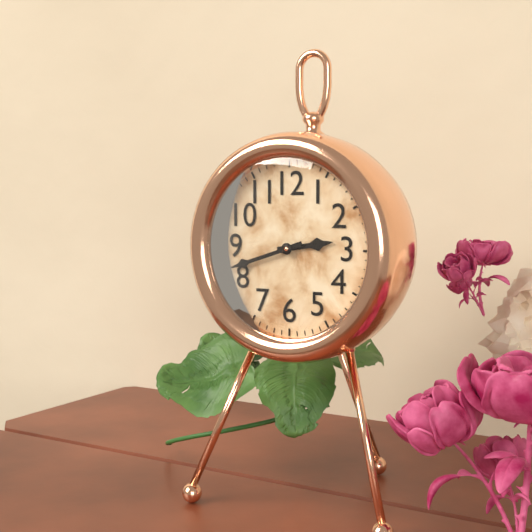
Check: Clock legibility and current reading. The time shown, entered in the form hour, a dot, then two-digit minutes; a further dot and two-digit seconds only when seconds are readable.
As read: 2.42
